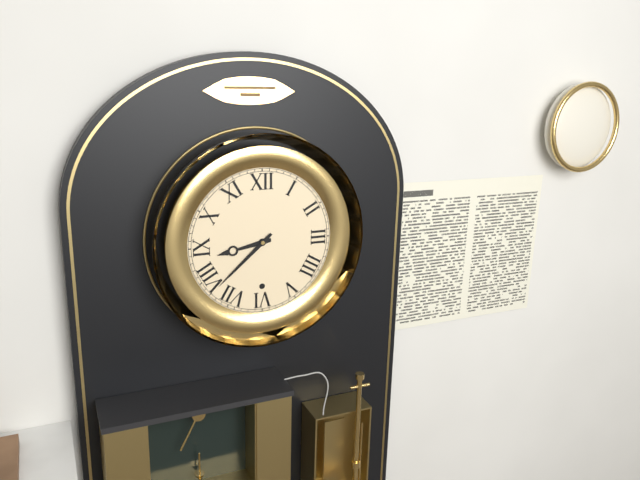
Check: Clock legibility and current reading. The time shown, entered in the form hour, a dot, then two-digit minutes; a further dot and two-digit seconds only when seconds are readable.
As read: 8.38
